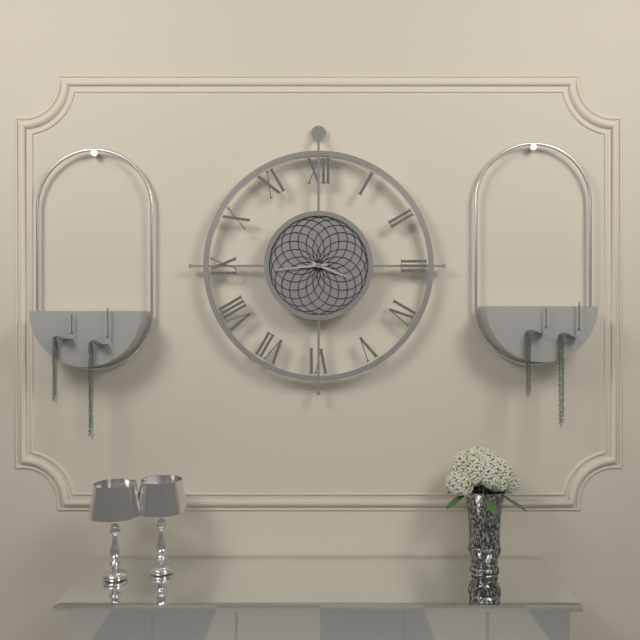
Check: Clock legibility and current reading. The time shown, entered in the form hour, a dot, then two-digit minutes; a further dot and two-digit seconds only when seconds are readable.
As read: 3.44
